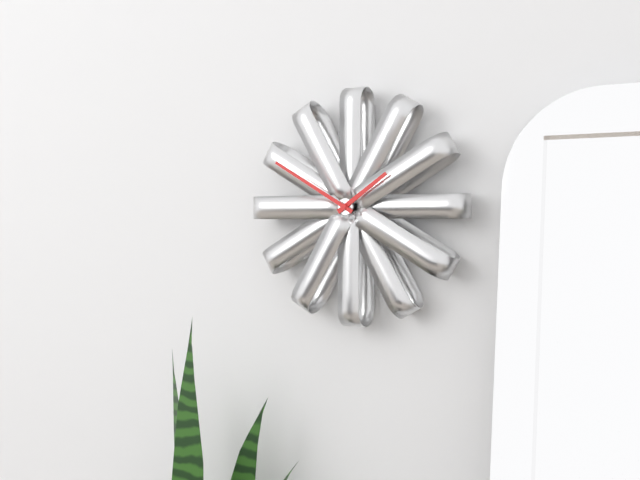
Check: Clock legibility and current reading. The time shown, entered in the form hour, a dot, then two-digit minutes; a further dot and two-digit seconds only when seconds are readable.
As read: 1.50
